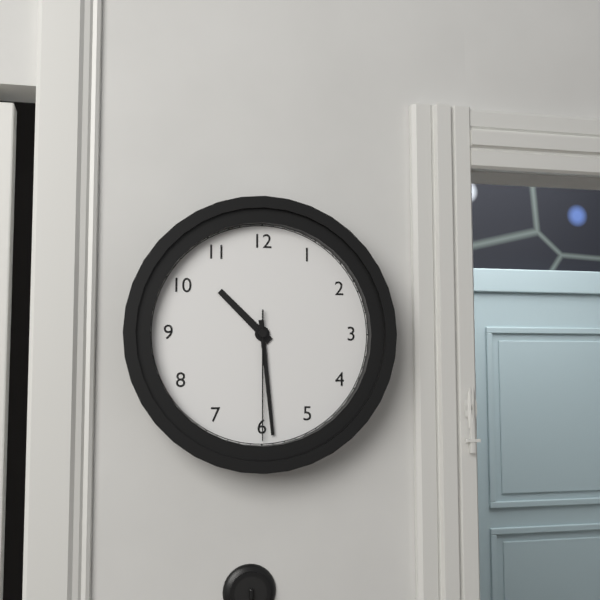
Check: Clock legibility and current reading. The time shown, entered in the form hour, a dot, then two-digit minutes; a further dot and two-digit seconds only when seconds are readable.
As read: 10.29.30
